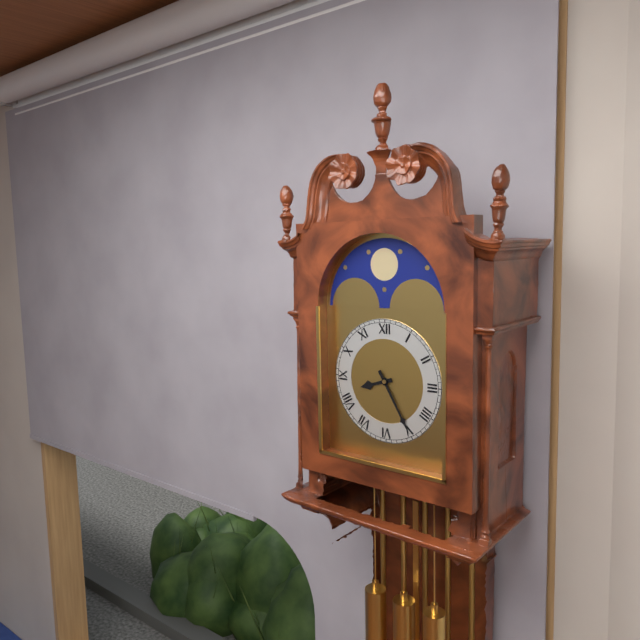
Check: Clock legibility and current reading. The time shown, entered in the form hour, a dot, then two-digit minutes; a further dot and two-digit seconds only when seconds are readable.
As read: 8.25
